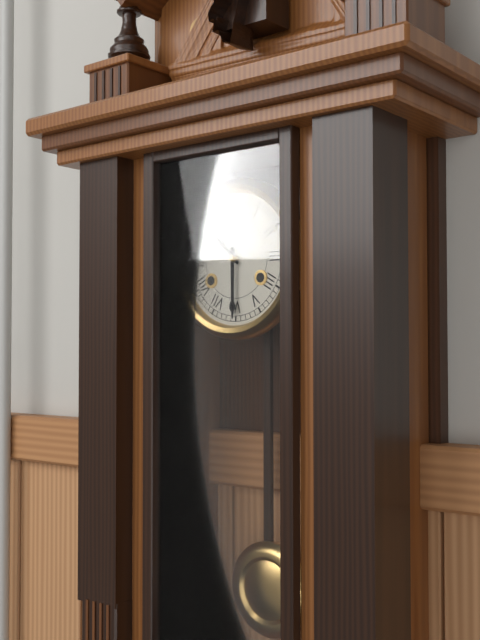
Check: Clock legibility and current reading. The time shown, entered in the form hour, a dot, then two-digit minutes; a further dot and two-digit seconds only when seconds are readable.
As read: 10.30
